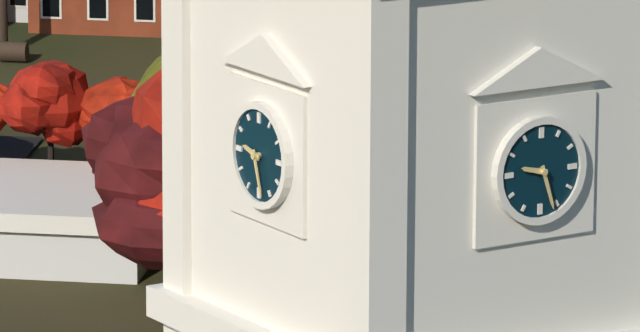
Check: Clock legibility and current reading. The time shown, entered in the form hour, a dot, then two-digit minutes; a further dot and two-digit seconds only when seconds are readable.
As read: 9.27
